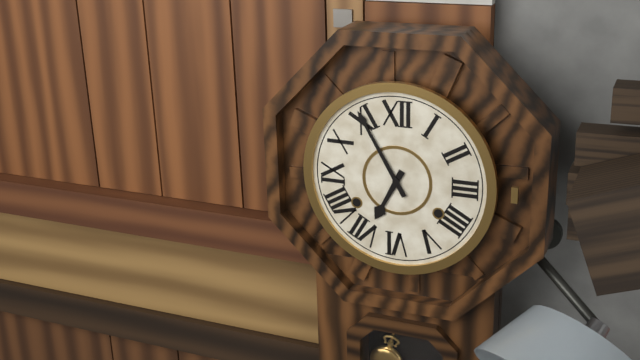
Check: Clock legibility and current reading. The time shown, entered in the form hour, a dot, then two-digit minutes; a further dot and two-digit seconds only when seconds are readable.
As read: 6.55
